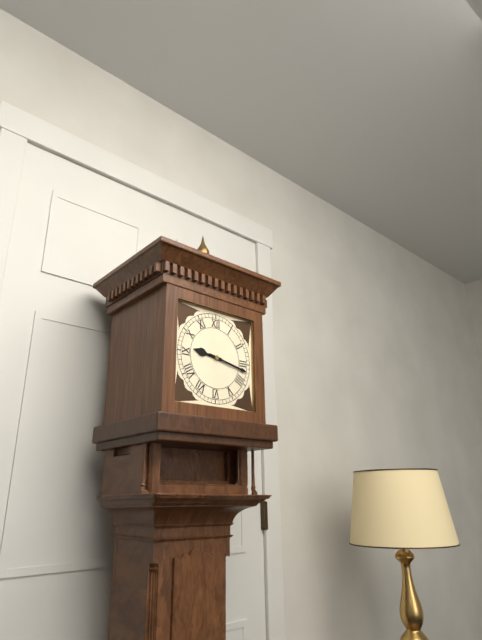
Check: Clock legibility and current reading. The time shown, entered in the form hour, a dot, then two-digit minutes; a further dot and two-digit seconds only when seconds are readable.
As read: 9.17
